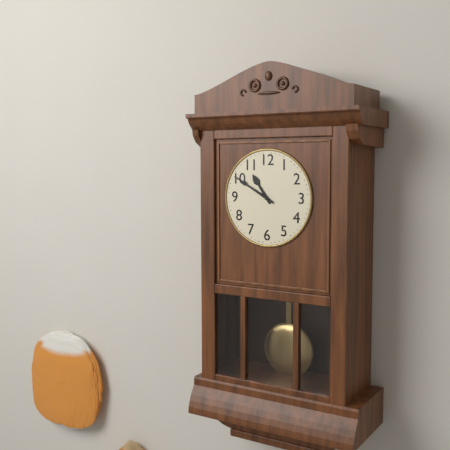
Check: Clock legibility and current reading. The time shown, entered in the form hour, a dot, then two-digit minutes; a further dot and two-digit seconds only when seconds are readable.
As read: 10.50
